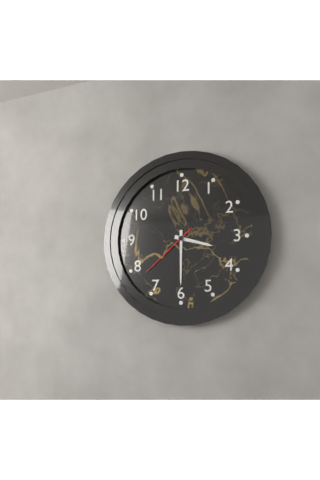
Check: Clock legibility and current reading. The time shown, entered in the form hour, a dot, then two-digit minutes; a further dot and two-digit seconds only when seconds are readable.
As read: 3.30.38
